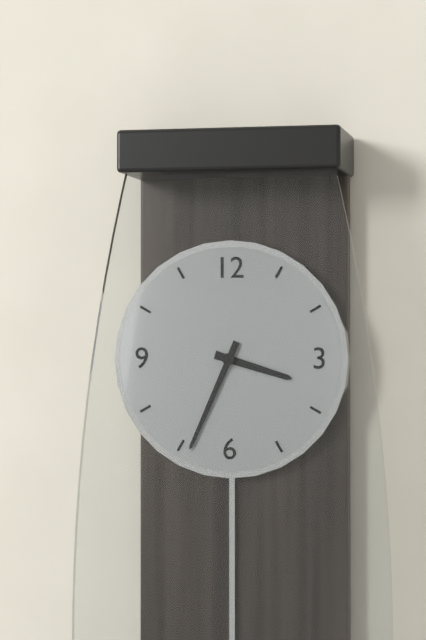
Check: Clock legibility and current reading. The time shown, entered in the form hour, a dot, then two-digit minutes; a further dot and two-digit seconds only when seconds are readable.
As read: 3.34
